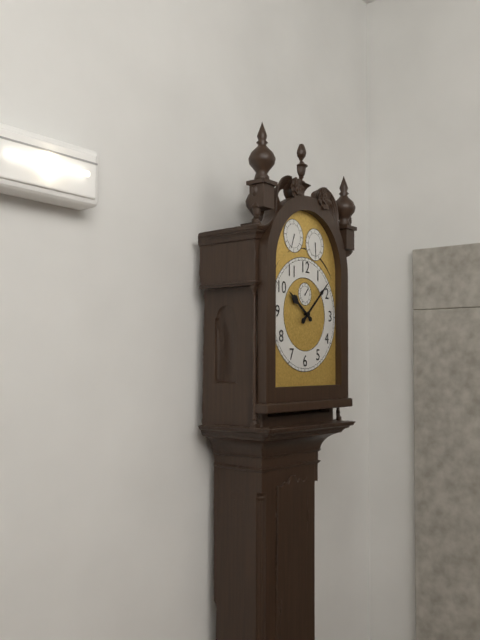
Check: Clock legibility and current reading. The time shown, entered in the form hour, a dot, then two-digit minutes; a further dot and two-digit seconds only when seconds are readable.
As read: 10.08
